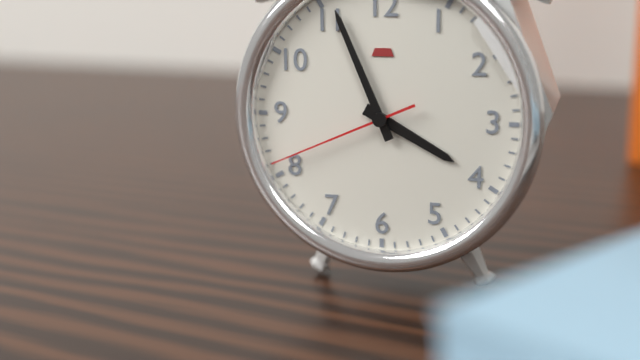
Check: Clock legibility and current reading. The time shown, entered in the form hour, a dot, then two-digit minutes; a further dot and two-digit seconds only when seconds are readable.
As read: 3.56.41
